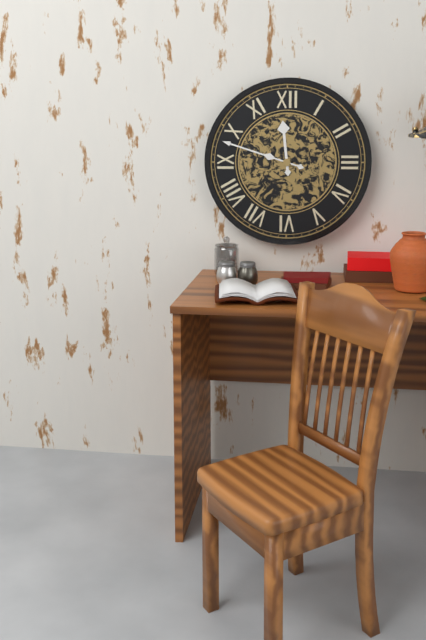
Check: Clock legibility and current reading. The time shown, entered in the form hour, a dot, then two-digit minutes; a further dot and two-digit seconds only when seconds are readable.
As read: 11.48
